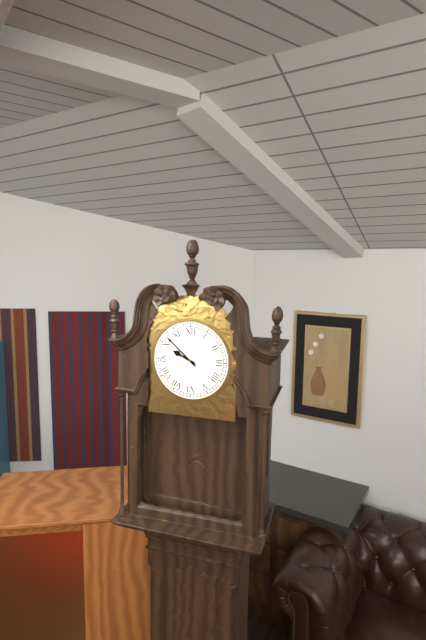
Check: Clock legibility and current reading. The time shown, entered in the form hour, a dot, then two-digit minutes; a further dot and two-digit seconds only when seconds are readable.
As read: 9.52
